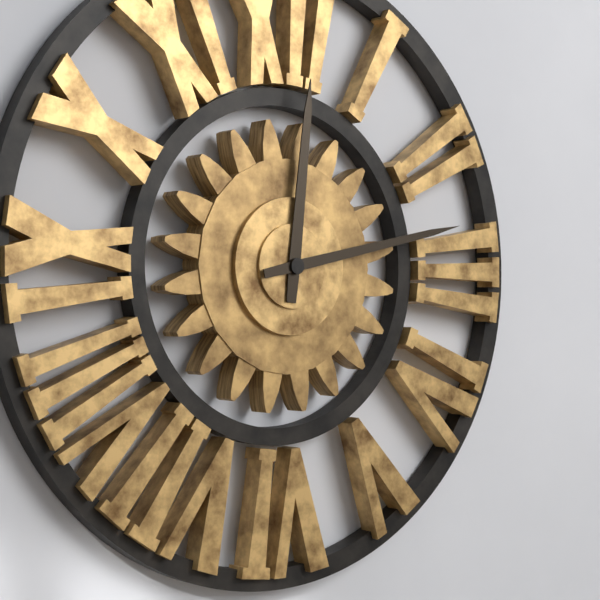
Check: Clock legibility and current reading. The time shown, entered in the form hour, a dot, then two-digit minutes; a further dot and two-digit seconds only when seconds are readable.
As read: 12.13
